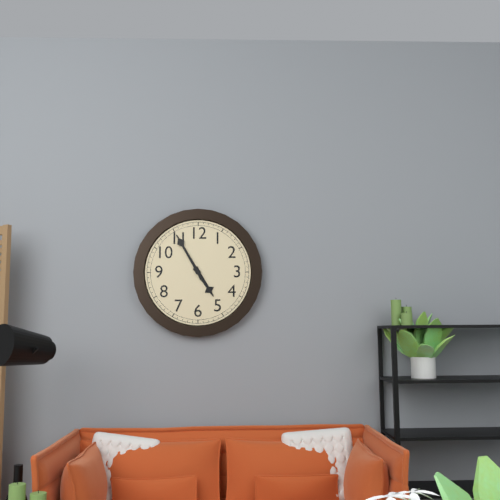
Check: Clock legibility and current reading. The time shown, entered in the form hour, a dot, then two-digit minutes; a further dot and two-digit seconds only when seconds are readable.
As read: 4.55
